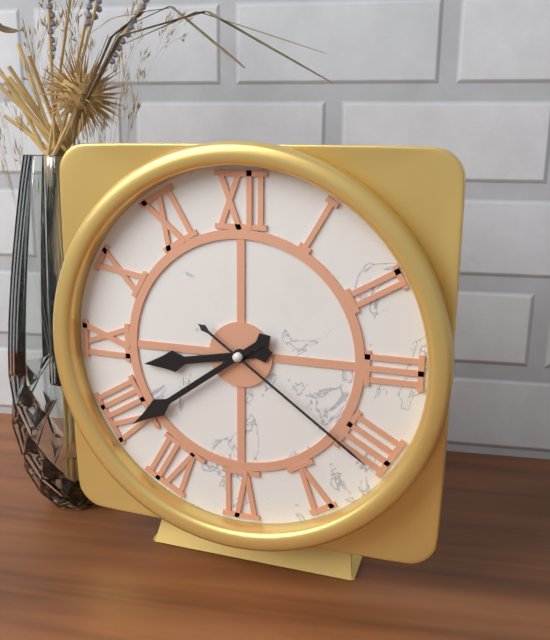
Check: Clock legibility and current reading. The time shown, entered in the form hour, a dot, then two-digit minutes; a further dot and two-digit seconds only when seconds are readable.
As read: 8.39.21
